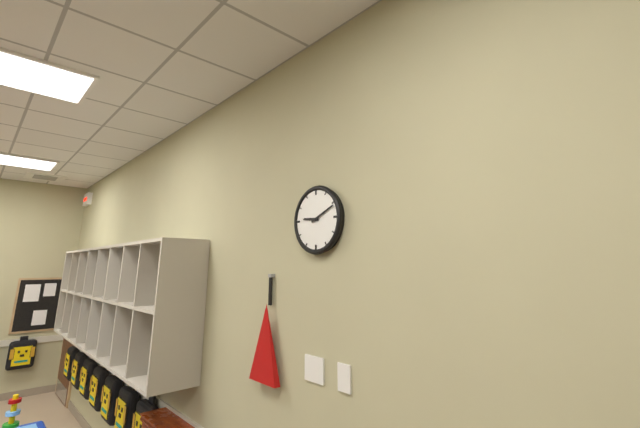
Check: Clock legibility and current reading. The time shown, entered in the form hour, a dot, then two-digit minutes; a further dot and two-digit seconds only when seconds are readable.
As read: 9.11
